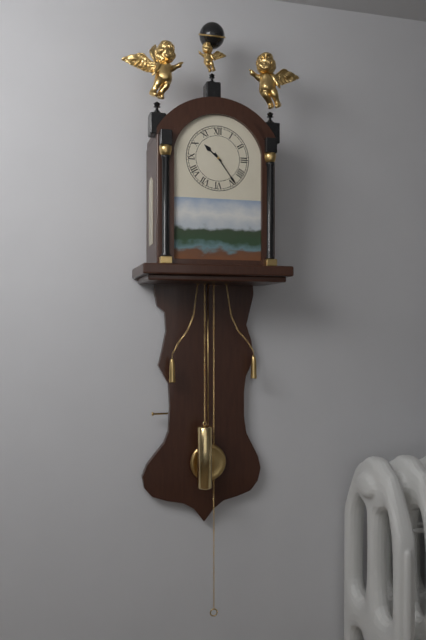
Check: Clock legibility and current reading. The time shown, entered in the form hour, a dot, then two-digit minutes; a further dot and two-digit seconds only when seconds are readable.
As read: 10.24
